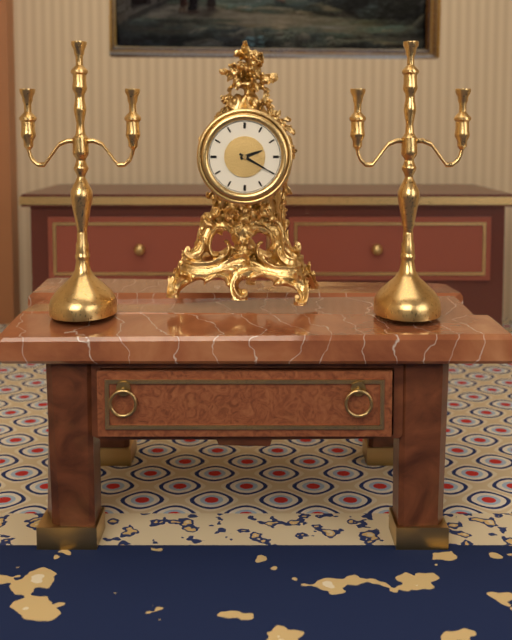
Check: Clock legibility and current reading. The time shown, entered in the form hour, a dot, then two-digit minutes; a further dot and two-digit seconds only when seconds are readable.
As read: 2.20
